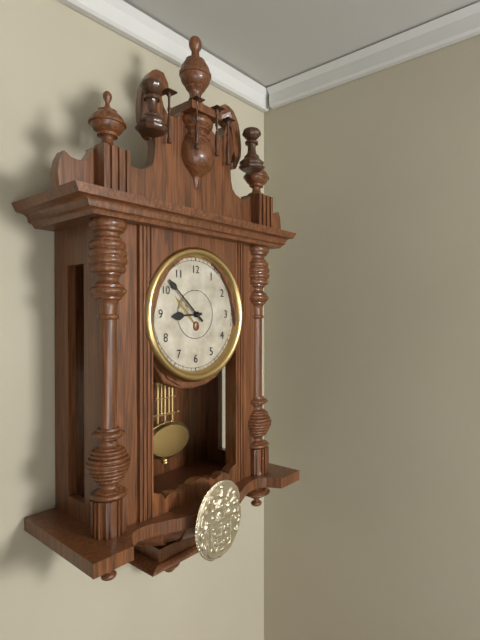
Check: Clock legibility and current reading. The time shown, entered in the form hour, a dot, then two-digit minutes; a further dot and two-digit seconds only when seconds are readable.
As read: 8.52
